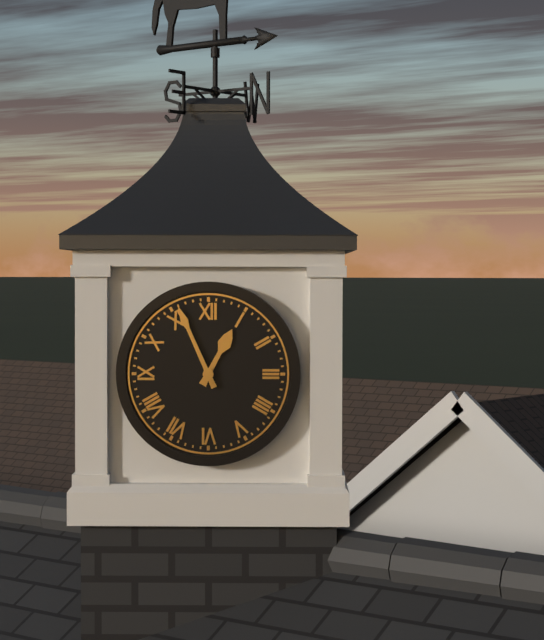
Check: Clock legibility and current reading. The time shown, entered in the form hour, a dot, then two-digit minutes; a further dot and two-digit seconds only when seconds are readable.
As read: 12.56
